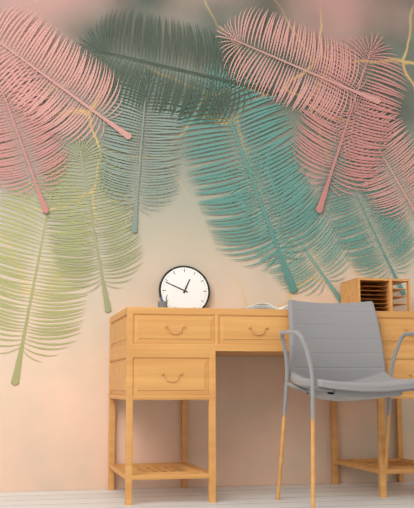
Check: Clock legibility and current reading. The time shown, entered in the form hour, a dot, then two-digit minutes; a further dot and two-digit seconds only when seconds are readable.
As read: 12.49
